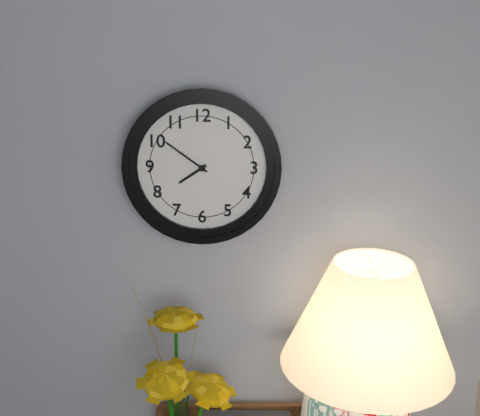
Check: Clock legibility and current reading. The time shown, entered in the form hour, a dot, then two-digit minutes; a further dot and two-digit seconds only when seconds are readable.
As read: 7.51
